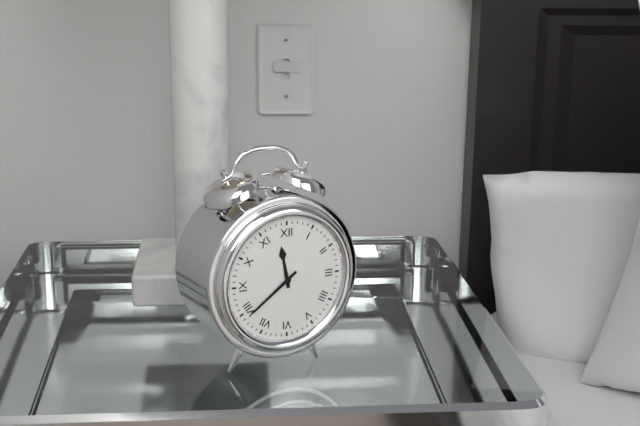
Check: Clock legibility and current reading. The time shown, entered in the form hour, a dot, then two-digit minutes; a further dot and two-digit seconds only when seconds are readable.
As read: 11.39
